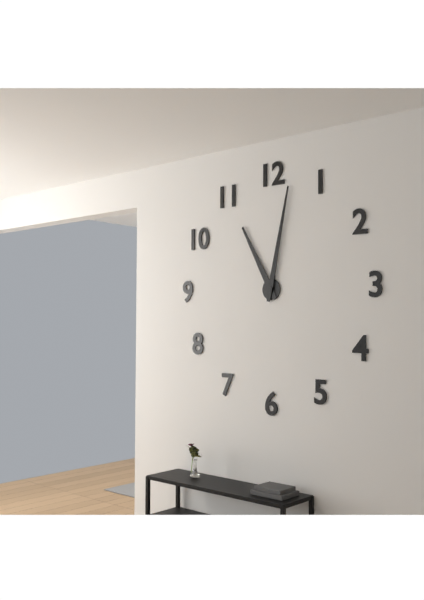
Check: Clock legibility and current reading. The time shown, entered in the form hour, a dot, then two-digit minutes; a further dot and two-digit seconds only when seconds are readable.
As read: 11.02
